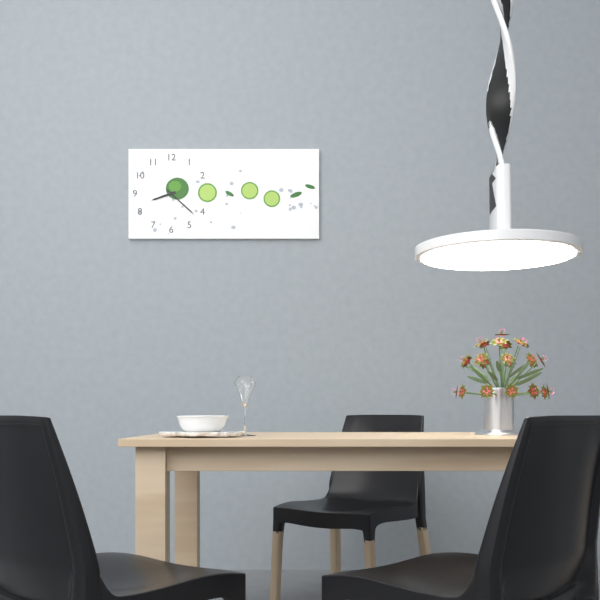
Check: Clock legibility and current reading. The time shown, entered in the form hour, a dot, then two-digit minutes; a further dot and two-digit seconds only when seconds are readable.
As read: 8.22
